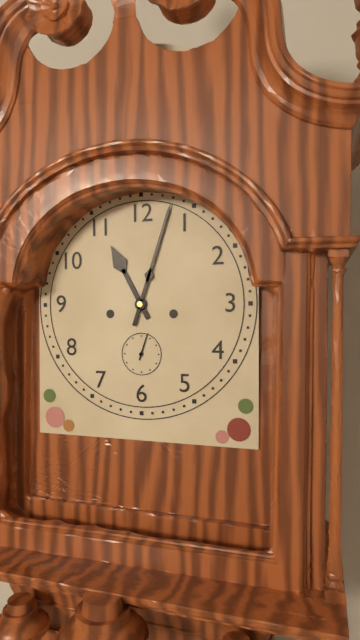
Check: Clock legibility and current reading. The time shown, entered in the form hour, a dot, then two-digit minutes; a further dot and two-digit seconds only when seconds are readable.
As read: 11.03
